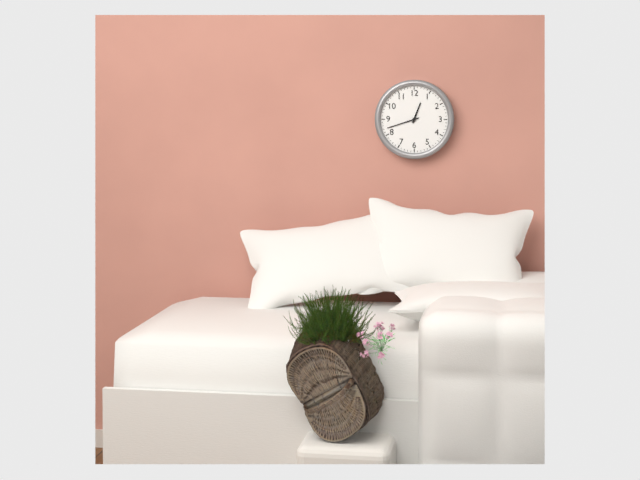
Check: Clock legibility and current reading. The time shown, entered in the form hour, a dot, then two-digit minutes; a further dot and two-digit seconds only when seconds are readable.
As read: 12.42
